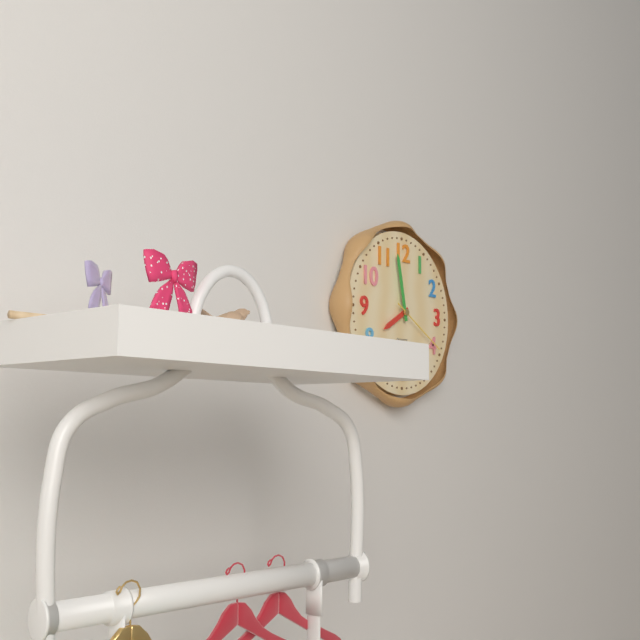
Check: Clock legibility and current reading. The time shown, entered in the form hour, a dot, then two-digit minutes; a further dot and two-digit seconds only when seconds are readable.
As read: 7.58.20
